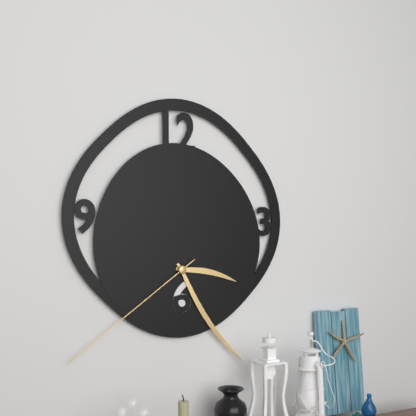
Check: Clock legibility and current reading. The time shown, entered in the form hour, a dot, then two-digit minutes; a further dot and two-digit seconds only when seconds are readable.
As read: 3.24.39
